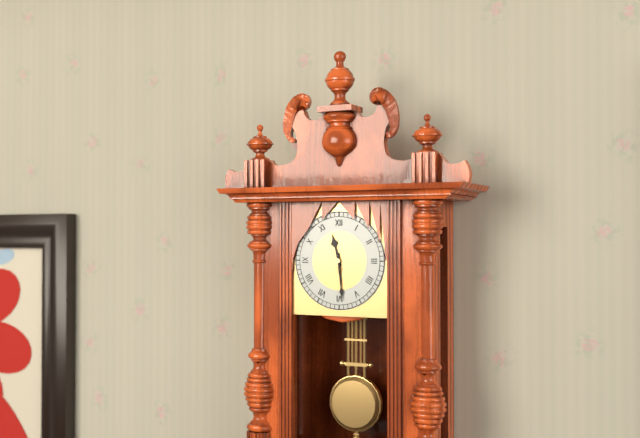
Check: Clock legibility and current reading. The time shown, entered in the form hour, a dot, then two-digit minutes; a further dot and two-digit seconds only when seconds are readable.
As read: 11.29
